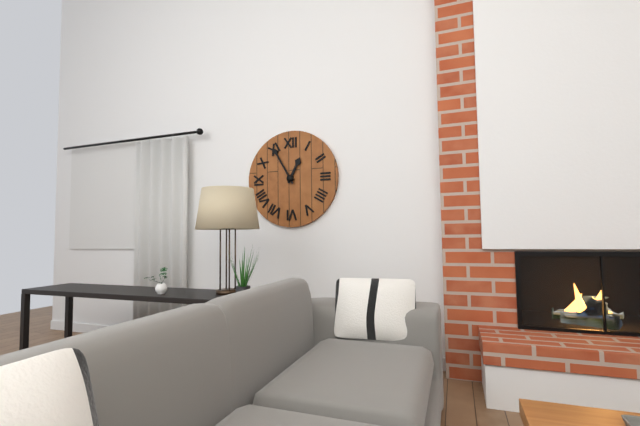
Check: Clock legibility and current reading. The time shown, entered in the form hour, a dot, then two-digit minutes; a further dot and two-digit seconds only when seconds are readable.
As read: 12.55
